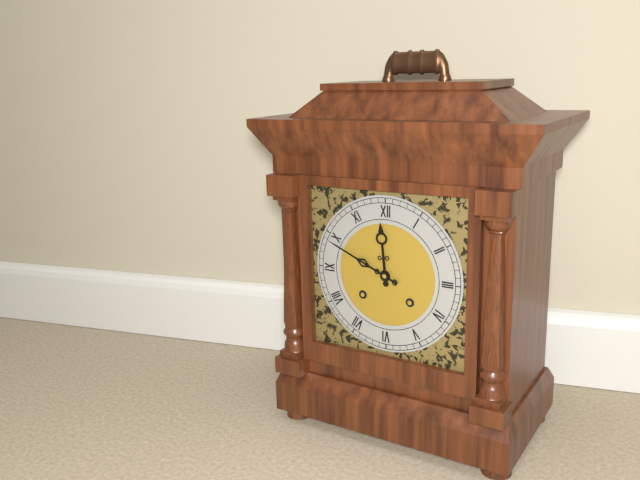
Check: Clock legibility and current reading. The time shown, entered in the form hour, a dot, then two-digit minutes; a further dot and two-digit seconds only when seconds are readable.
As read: 11.49
